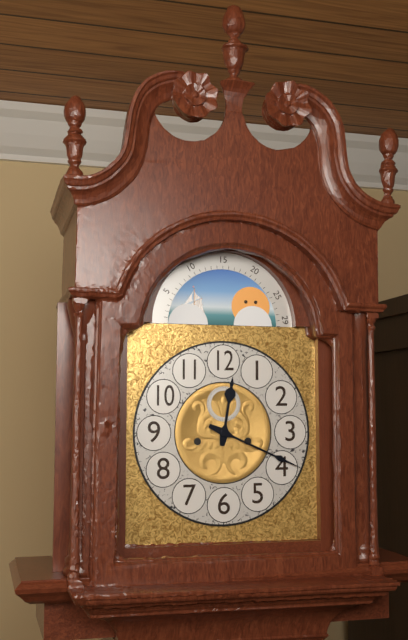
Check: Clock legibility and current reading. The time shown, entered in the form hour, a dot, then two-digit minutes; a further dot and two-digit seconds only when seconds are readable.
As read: 12.19
